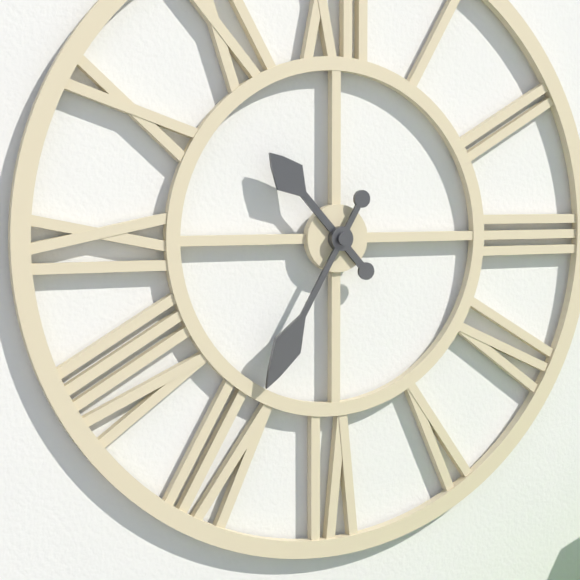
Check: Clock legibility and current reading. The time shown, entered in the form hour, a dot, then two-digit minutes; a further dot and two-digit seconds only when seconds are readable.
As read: 10.35
